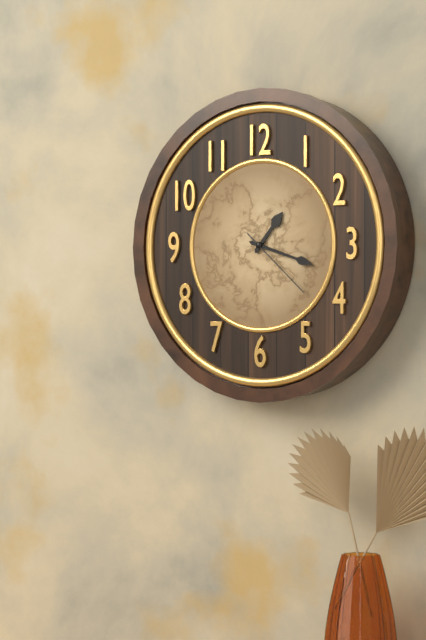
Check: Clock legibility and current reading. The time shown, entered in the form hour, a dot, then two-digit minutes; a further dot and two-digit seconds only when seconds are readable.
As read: 1.18.22
